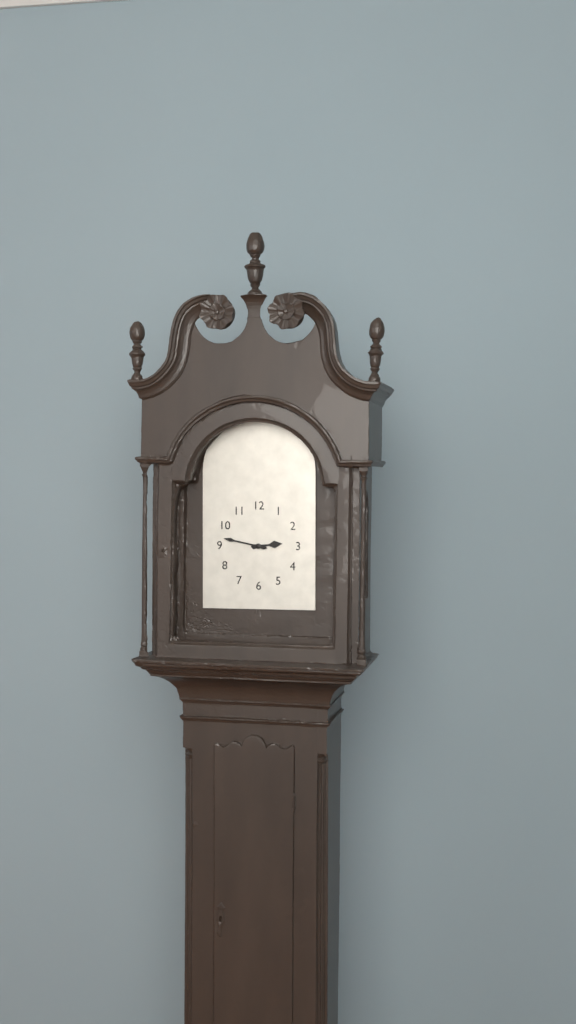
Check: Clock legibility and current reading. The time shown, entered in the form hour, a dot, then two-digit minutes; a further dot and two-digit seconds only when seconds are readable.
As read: 2.47
